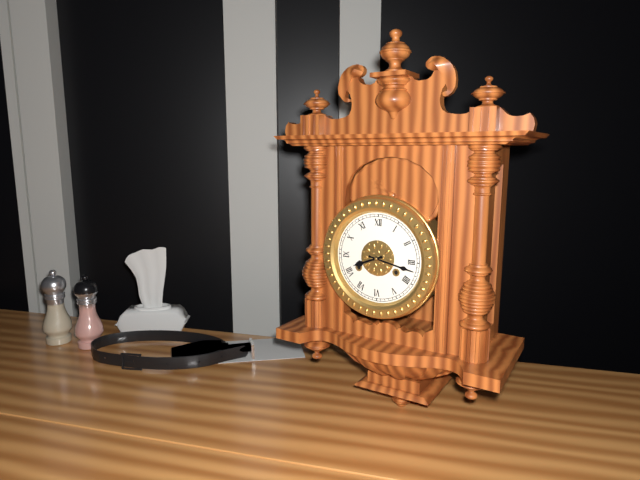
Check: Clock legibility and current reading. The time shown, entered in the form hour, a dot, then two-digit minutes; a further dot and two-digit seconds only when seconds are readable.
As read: 8.17
